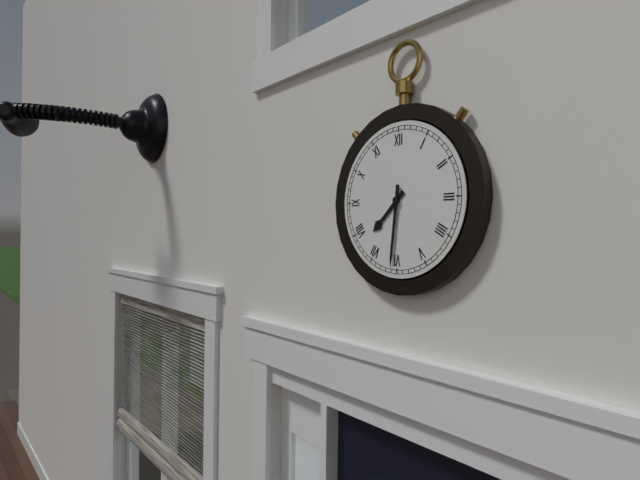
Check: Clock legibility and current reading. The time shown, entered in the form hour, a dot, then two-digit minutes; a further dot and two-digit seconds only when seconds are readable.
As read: 7.31
